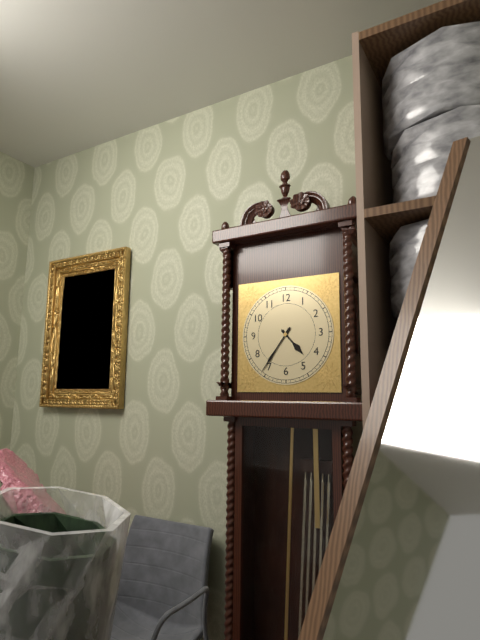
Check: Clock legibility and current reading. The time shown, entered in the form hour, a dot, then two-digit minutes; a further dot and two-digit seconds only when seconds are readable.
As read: 4.36
